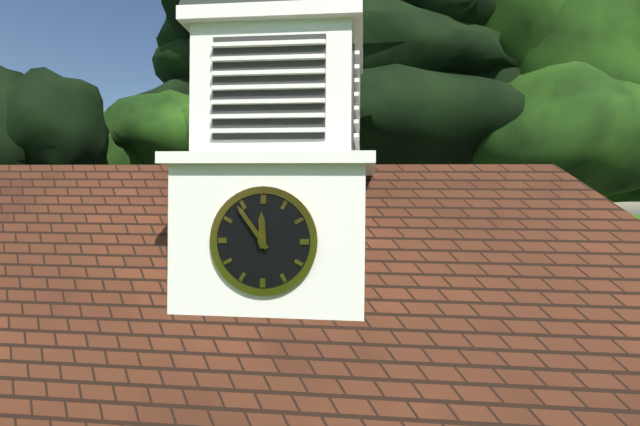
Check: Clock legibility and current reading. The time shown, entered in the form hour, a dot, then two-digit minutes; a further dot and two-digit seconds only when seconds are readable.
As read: 11.54
